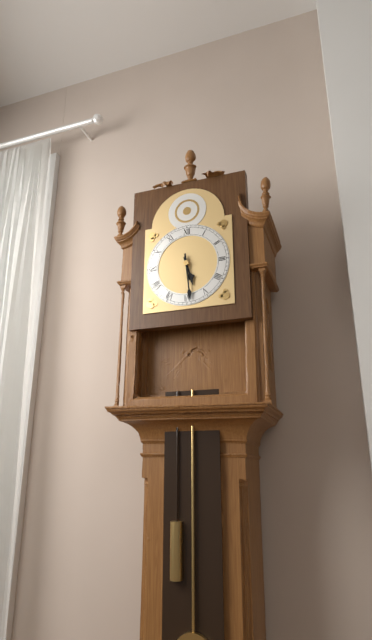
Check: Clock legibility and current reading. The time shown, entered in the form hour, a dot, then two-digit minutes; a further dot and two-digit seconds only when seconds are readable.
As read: 5.29
